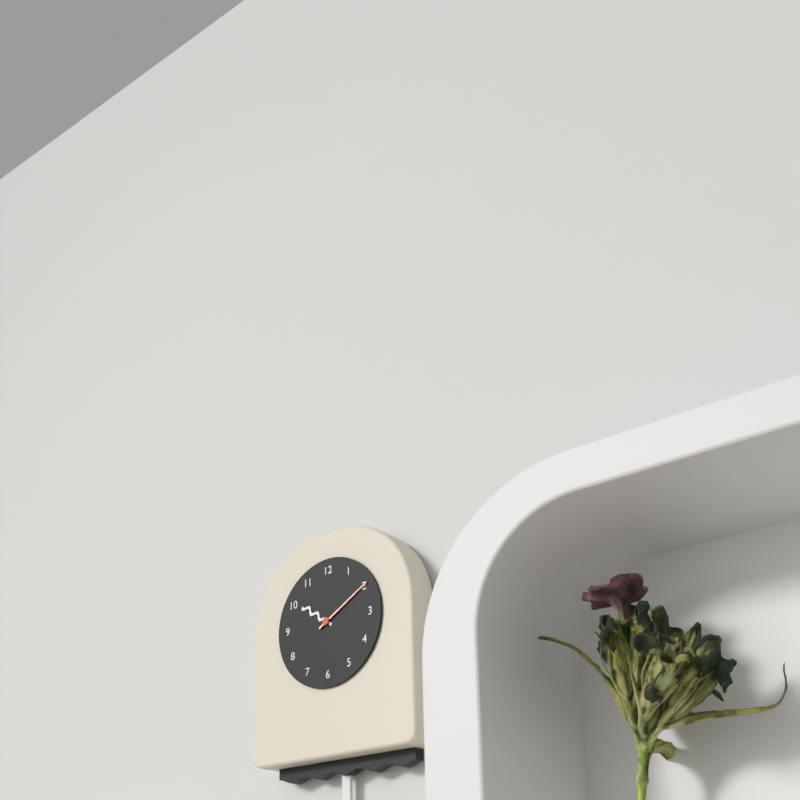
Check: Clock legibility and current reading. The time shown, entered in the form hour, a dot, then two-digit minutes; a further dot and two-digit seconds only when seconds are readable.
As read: 10.10
